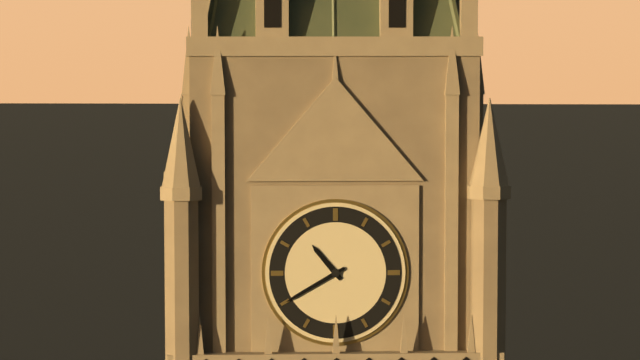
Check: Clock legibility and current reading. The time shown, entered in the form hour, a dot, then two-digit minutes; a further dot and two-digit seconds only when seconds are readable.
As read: 10.40
